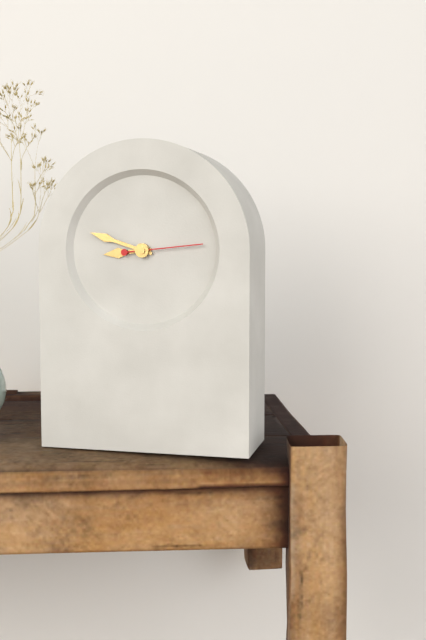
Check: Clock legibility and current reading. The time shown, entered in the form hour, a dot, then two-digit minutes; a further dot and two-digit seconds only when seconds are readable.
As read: 8.48.14
